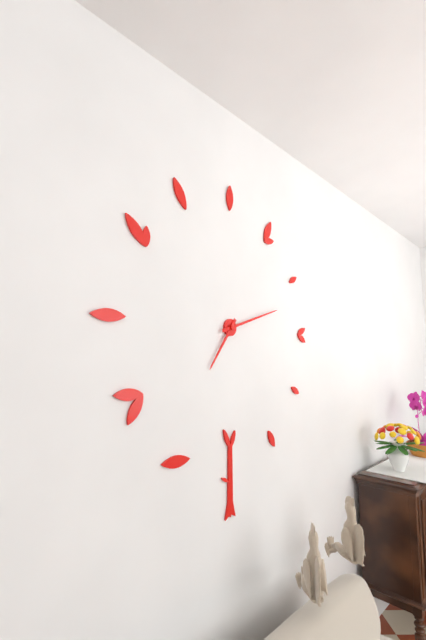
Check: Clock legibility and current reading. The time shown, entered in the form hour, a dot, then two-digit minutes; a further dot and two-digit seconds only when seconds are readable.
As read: 7.12
